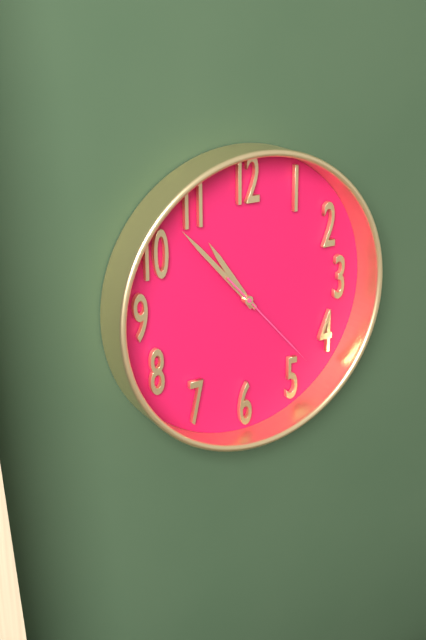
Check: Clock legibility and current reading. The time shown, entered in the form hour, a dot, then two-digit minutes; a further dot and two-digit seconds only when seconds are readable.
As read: 10.53.23
